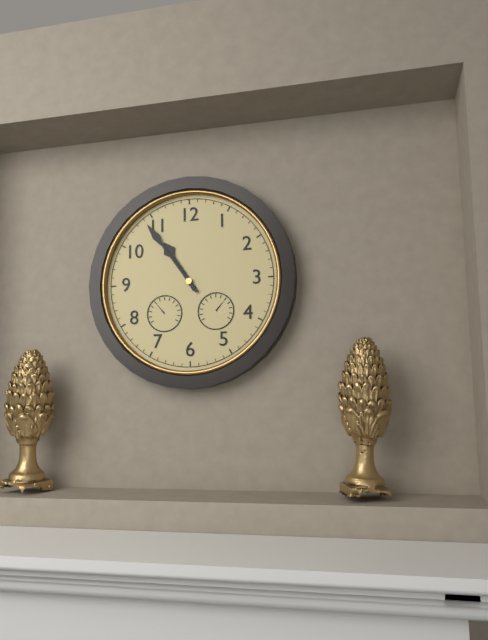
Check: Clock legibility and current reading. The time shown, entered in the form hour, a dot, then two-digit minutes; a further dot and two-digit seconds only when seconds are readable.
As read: 10.54
